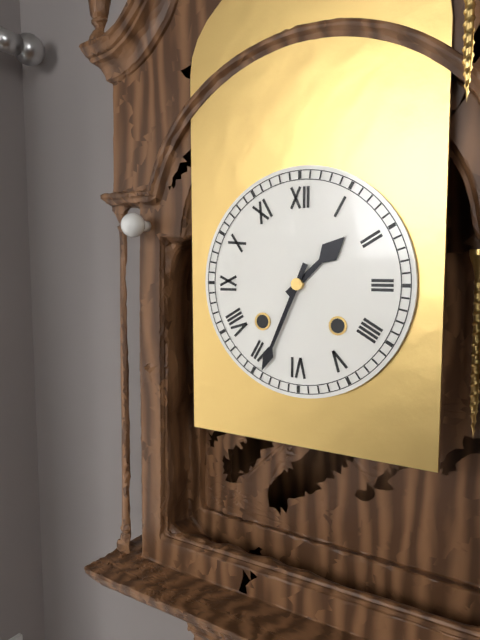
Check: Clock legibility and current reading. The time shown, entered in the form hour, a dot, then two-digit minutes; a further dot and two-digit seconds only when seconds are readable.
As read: 1.34
